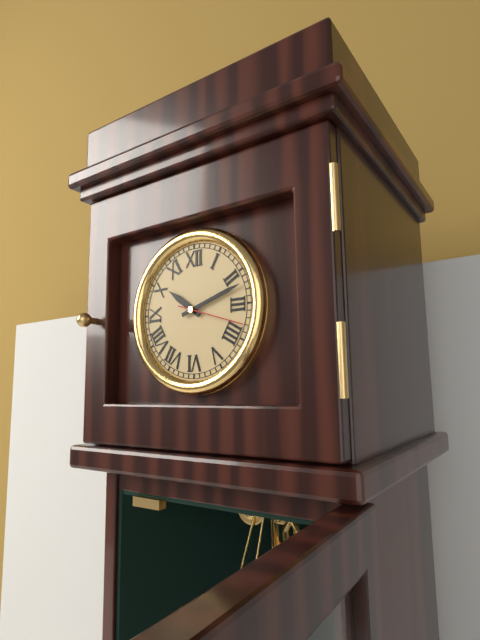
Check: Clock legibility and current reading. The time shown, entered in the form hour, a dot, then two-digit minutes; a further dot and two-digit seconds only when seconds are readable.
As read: 10.12.18
